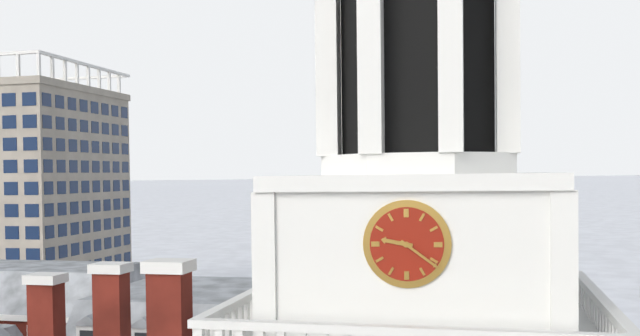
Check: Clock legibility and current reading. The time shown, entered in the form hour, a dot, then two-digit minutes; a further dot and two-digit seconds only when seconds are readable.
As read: 9.21
